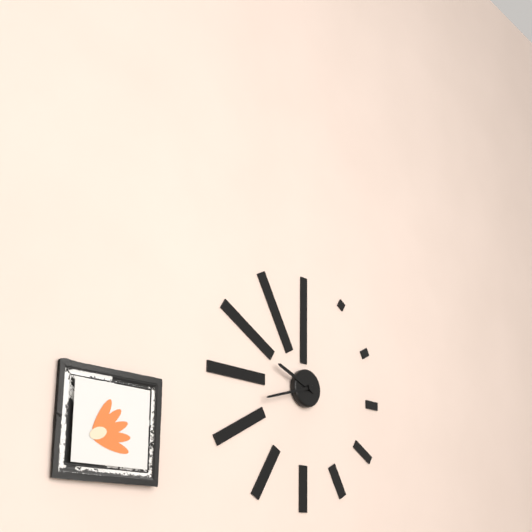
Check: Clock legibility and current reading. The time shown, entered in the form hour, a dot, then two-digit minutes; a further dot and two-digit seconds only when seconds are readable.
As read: 9.42
